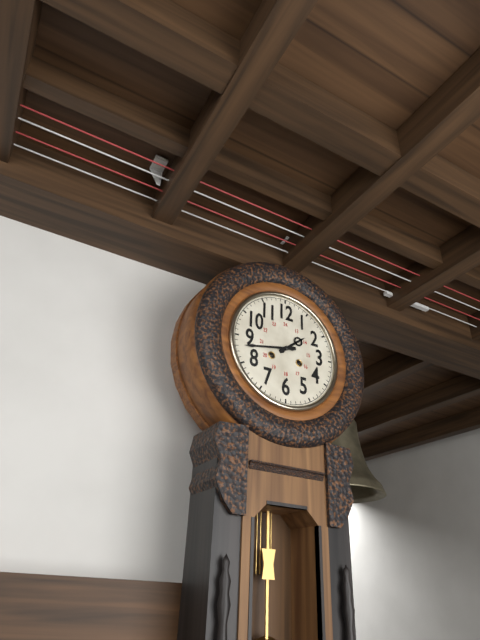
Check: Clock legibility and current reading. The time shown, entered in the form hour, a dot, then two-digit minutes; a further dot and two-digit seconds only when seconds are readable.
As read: 1.43
